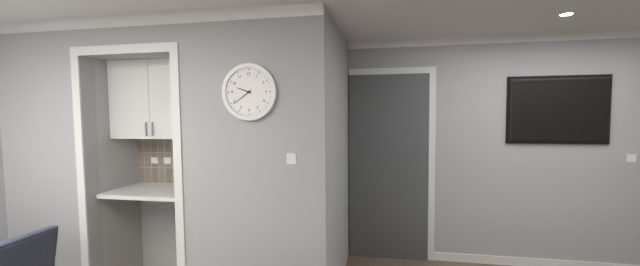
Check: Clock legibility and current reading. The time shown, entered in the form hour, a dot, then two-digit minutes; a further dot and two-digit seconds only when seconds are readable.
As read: 9.39
